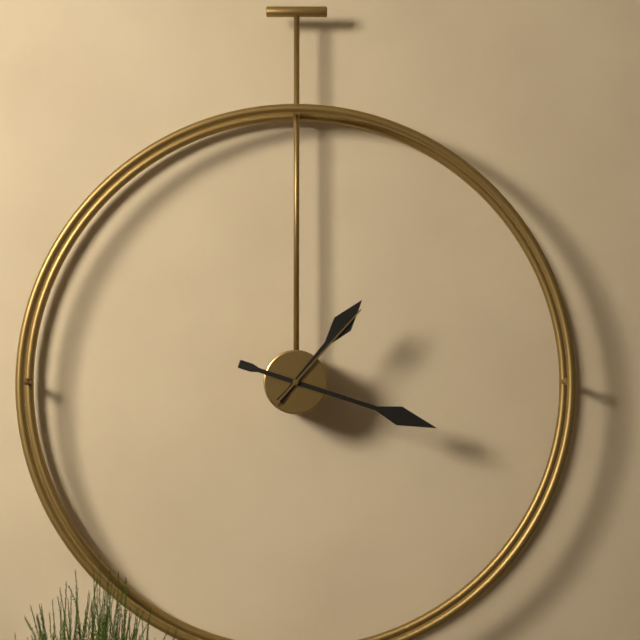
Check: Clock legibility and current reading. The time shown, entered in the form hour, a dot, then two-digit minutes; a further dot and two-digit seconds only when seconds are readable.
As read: 1.18.07
